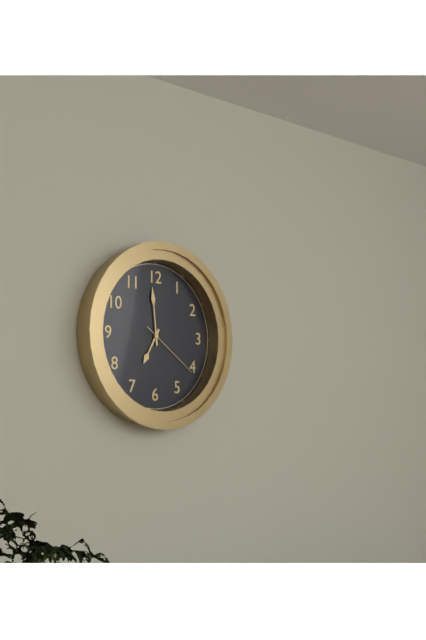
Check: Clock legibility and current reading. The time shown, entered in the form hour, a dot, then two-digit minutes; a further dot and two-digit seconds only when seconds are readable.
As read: 6.59.21
